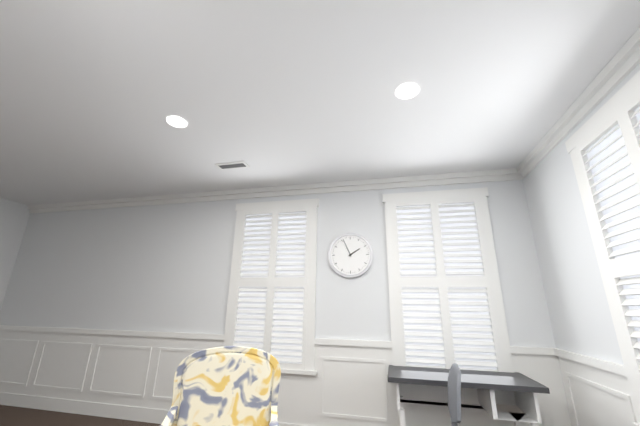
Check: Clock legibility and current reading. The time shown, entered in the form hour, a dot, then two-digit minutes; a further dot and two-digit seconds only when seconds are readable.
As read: 1.56
